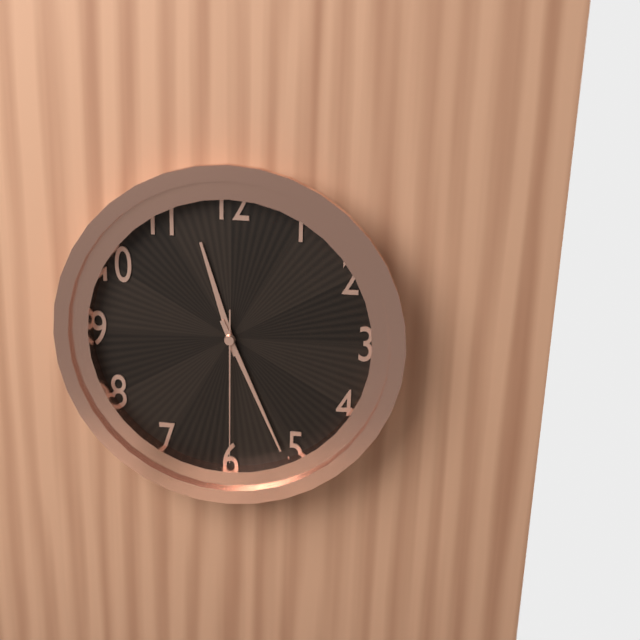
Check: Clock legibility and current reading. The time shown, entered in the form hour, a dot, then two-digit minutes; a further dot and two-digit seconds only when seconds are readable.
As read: 11.26.30
